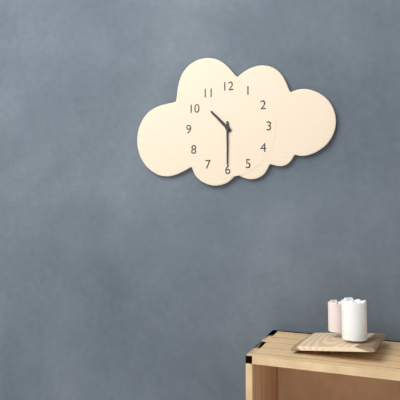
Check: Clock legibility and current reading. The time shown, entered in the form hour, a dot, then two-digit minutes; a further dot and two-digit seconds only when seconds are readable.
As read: 10.30
